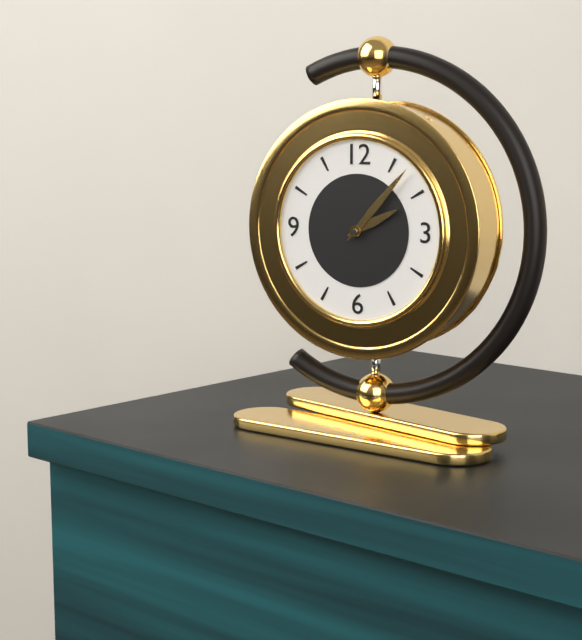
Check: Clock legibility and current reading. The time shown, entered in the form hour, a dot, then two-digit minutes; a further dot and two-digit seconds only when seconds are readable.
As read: 2.07
